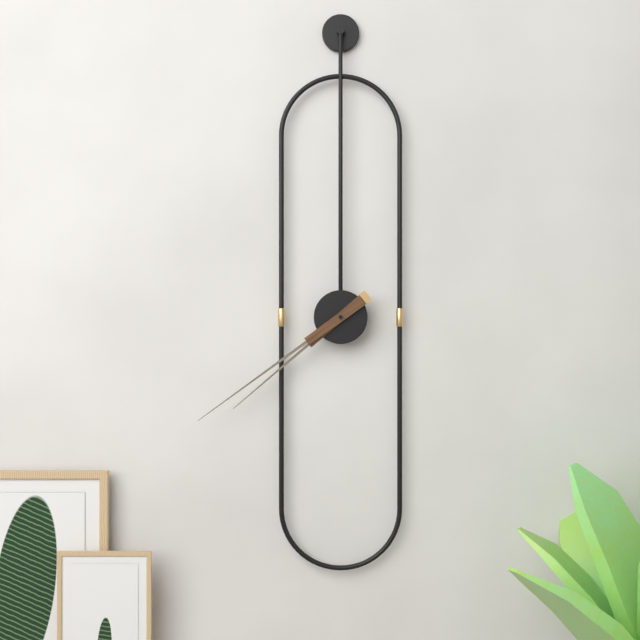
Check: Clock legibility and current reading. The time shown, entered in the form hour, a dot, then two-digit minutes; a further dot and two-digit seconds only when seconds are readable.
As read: 7.39
